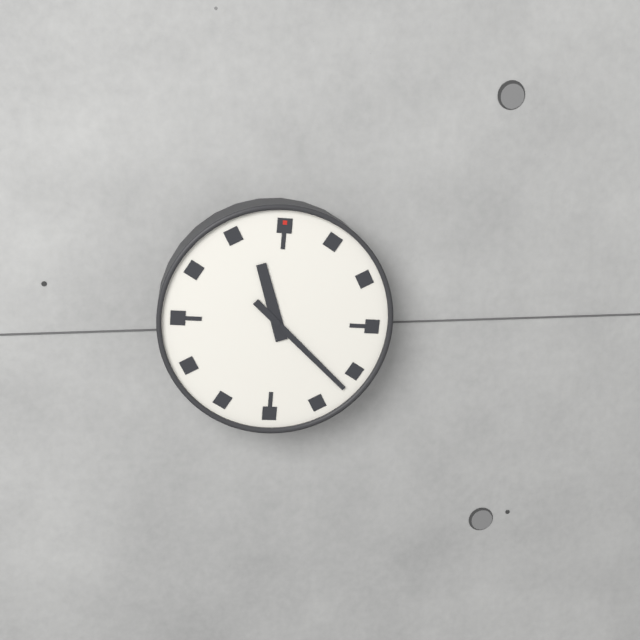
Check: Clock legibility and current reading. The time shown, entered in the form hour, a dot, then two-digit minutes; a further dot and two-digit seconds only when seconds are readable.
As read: 11.22
